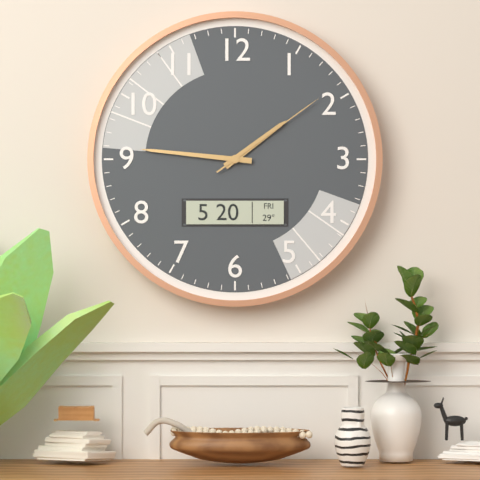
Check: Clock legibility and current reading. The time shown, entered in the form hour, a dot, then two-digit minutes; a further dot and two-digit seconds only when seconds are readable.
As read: 1.46.09
